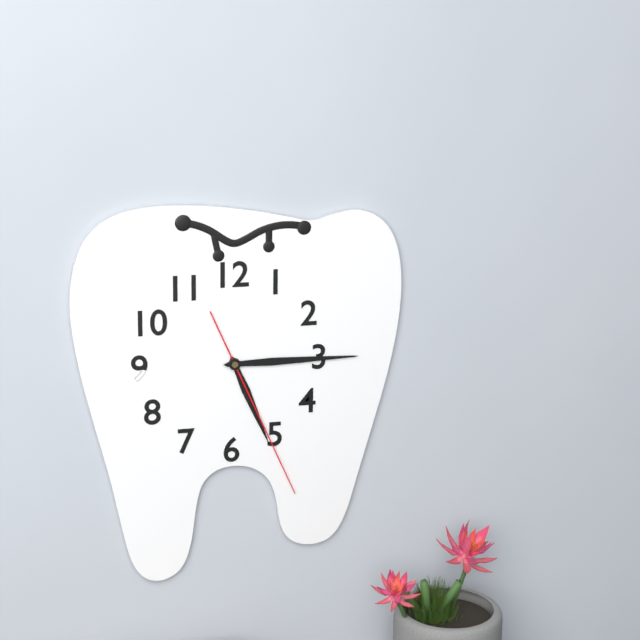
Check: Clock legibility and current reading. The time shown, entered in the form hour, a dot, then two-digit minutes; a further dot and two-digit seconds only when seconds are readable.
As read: 5.15.26
